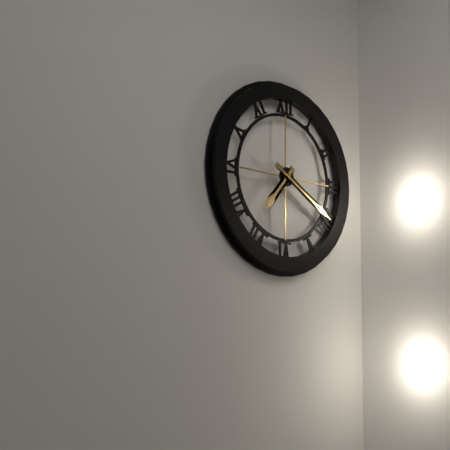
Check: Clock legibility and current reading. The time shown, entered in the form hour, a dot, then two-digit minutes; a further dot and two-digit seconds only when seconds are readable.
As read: 7.20
